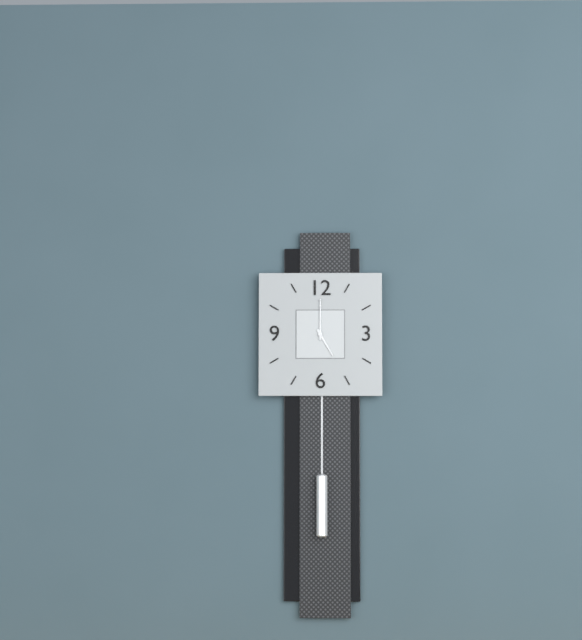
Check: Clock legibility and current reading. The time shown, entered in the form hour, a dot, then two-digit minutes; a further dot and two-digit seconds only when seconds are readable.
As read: 5.00
